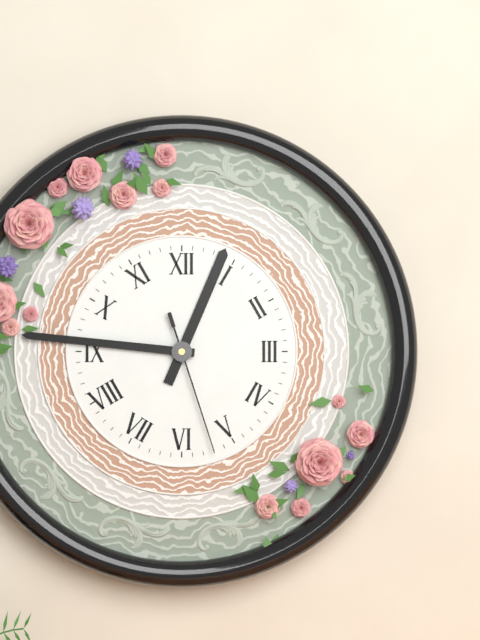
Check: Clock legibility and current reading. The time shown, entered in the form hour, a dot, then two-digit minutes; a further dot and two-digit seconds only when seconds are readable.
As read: 12.46.27
